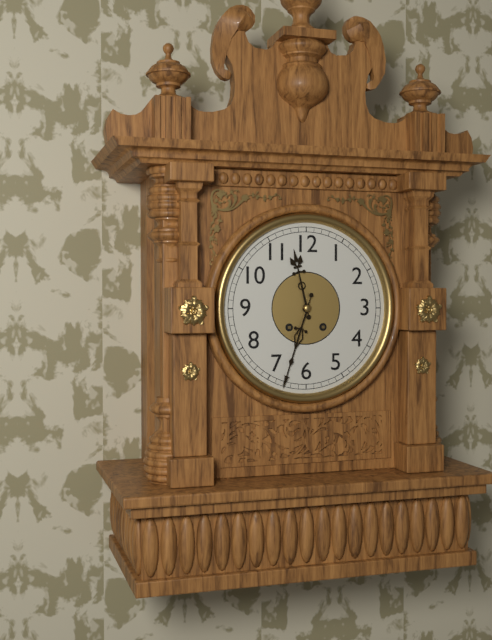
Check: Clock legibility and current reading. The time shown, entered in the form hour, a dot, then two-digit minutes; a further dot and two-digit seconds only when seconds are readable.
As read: 11.33
